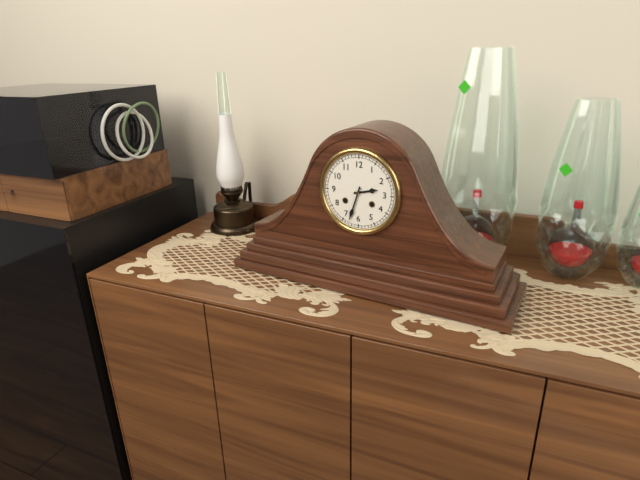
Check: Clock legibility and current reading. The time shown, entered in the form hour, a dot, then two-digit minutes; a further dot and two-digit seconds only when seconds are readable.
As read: 2.33
